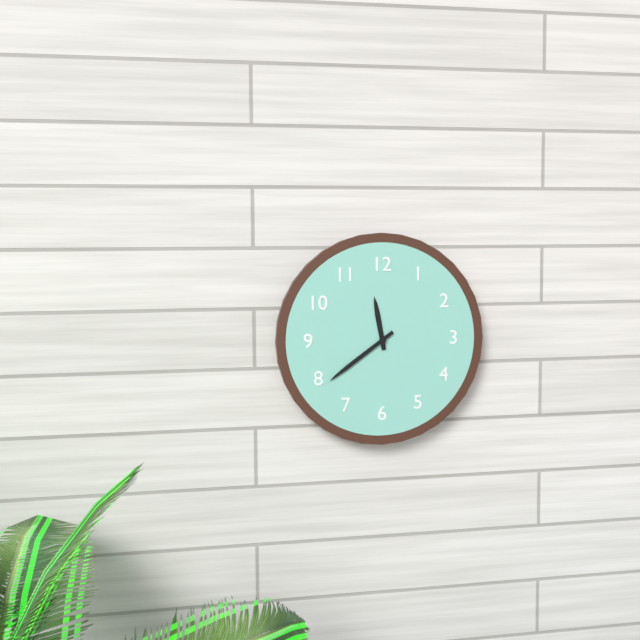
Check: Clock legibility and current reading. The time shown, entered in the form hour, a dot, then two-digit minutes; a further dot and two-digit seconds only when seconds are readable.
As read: 11.39
